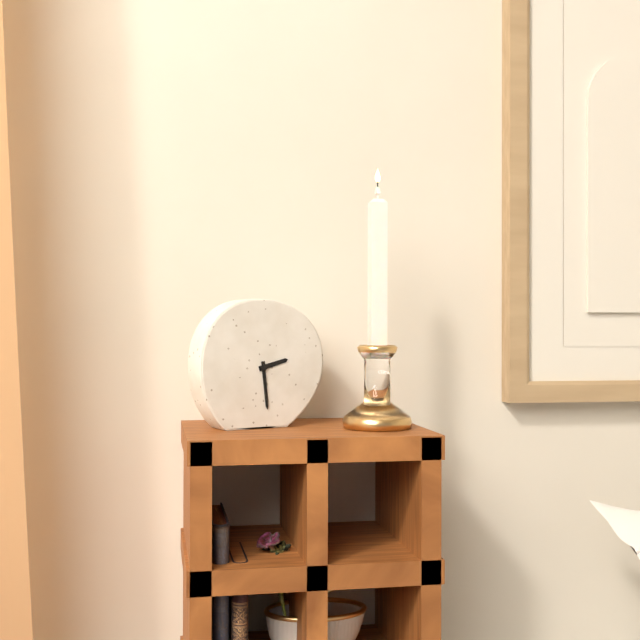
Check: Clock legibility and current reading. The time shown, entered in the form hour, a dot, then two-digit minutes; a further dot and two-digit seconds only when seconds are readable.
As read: 2.29
